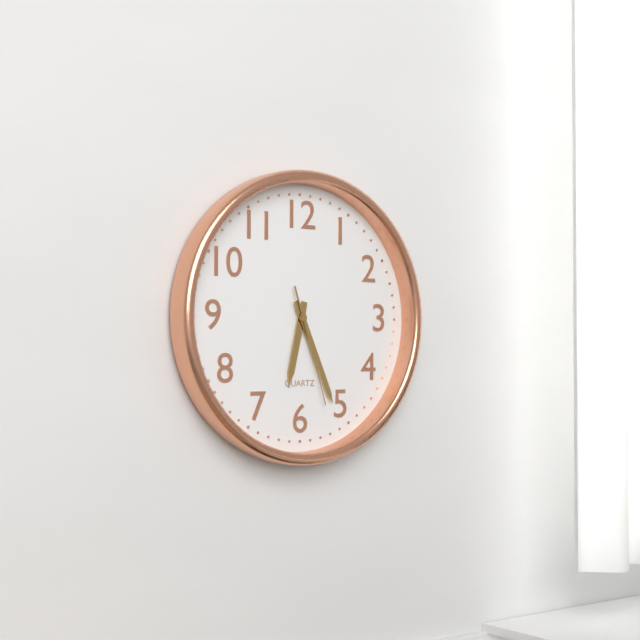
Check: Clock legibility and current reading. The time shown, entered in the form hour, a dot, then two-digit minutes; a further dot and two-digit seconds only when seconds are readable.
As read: 6.26.27
